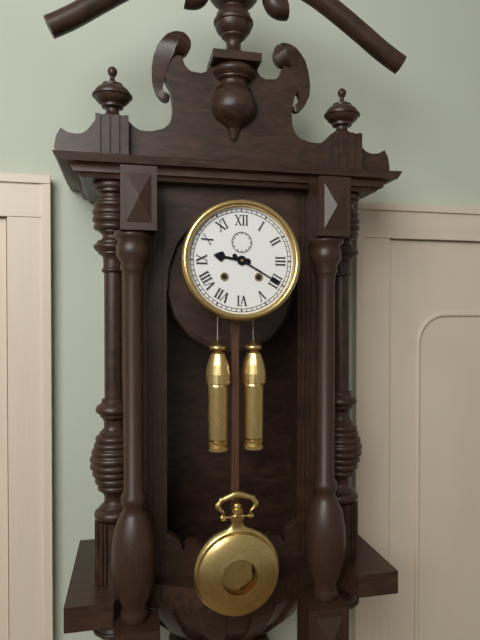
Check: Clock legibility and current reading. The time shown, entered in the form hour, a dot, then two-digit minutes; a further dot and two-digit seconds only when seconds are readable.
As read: 9.20
